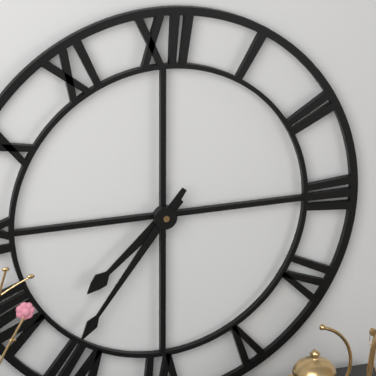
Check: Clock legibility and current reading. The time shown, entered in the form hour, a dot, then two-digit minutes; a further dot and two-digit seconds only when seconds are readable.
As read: 7.36
